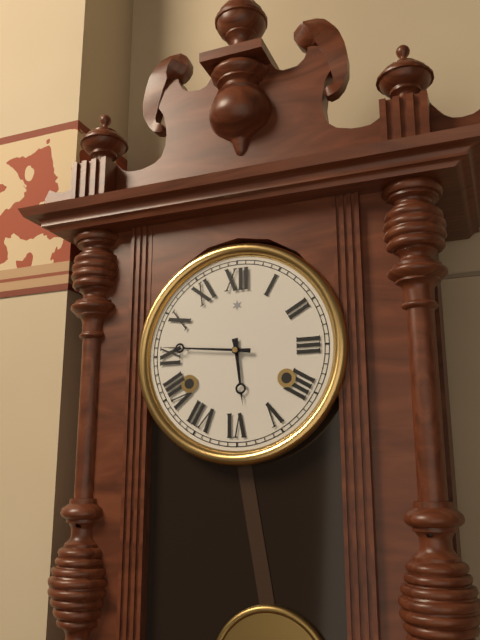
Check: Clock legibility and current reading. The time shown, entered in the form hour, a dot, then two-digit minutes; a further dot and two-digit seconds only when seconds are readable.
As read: 5.46
